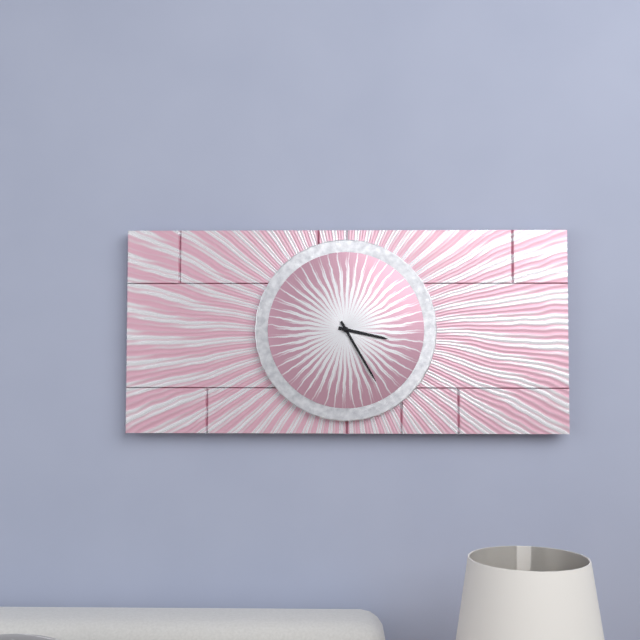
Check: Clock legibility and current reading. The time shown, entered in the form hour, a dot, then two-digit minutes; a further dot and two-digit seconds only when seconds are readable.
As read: 3.25
